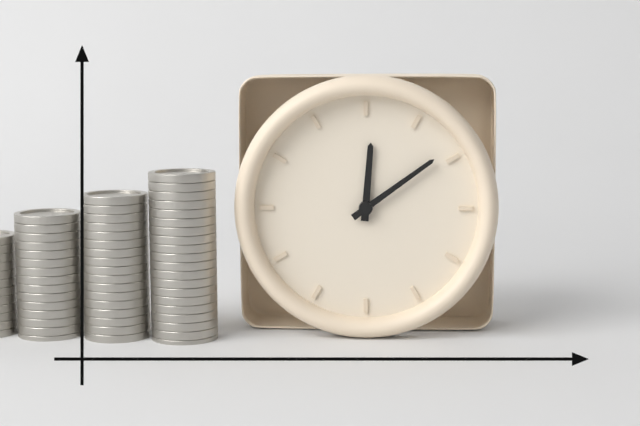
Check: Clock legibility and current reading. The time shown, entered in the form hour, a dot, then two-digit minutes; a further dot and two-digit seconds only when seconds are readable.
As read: 12.09
